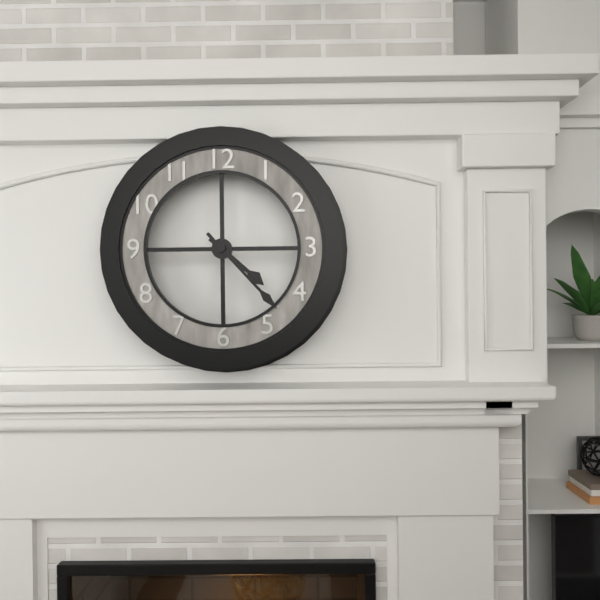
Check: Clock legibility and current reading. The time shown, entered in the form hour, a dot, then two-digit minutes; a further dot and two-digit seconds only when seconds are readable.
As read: 4.23
